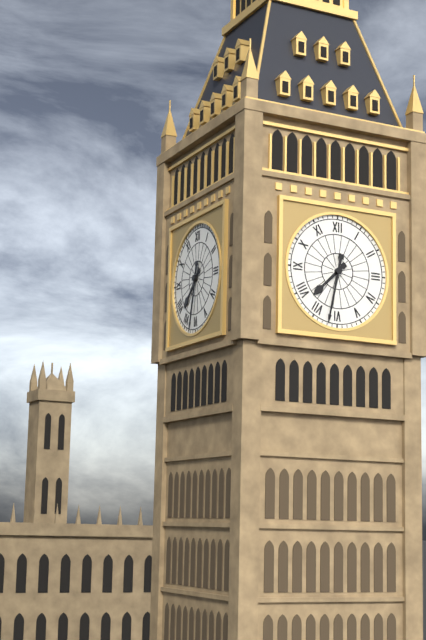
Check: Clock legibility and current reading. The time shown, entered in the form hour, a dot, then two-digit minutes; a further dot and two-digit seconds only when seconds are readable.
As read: 7.32
